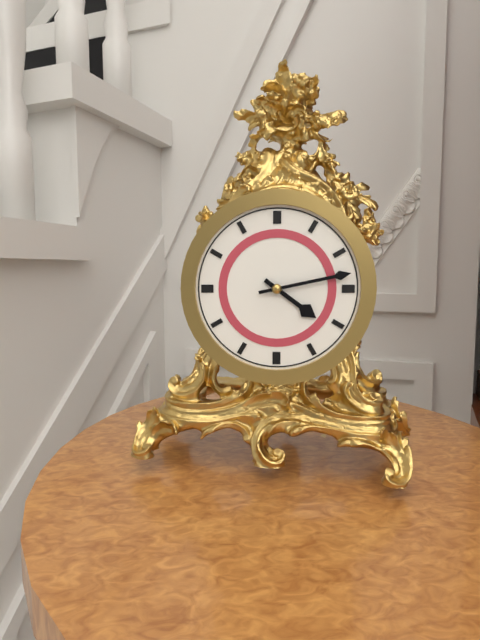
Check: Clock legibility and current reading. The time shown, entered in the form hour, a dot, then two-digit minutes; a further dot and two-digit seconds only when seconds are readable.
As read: 4.13
